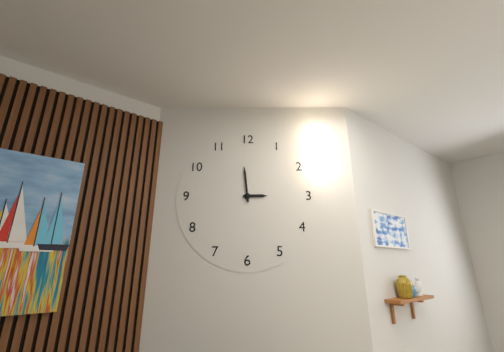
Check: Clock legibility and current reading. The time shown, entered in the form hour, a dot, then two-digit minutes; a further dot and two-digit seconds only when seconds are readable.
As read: 2.59
